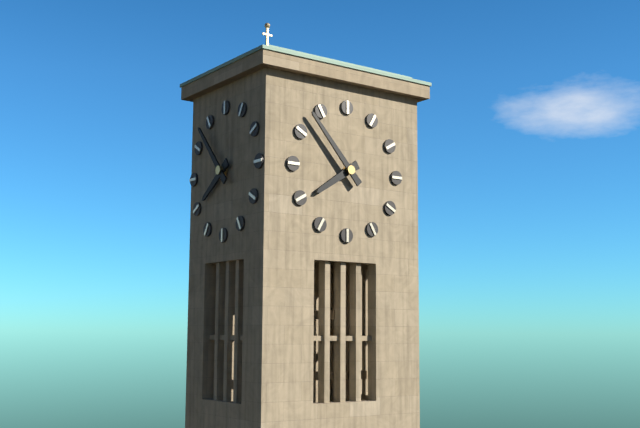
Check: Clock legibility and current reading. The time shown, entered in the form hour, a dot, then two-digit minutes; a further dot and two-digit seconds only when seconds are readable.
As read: 7.53
